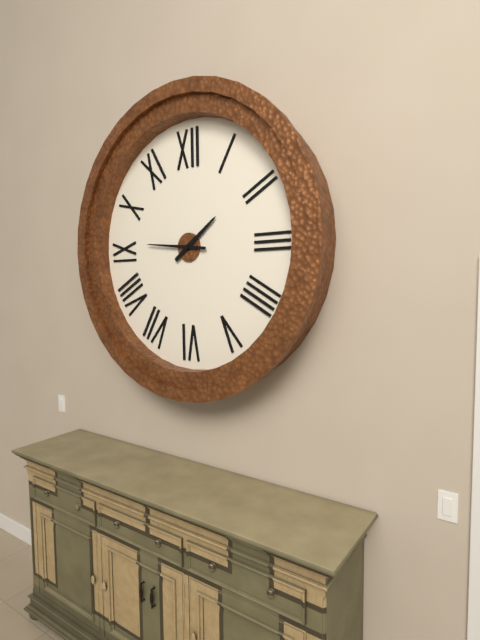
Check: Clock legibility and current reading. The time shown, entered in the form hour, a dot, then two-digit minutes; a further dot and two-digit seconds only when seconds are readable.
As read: 1.46
